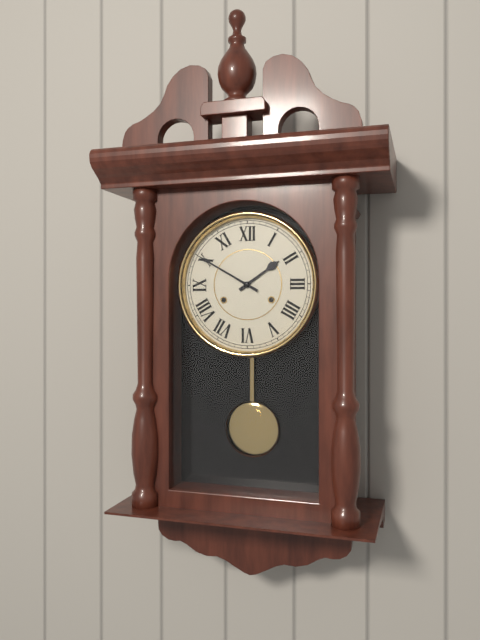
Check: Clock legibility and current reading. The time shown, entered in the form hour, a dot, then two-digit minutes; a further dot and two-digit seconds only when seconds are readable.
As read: 1.50
